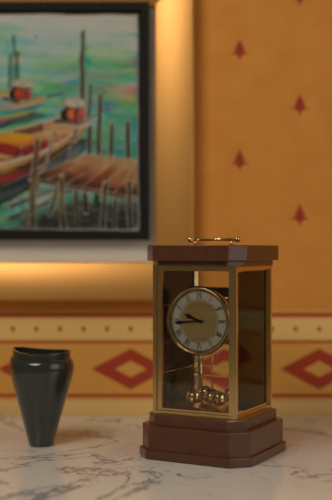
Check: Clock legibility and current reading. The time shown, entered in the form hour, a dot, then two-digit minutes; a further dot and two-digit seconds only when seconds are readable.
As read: 9.44
